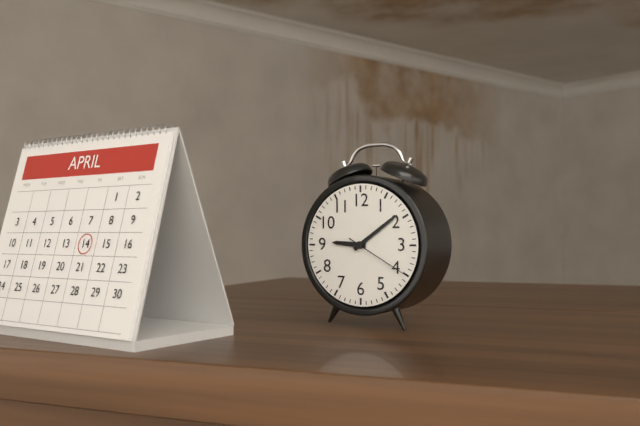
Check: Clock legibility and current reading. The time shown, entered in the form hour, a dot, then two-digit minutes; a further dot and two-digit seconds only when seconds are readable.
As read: 9.09.20
